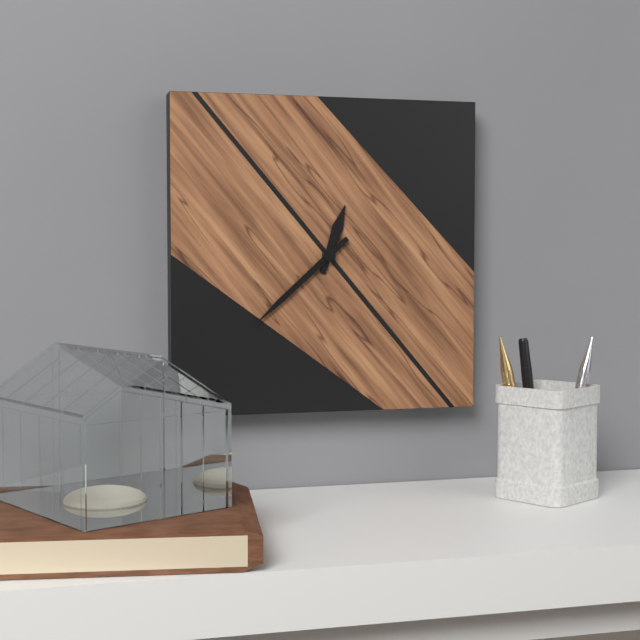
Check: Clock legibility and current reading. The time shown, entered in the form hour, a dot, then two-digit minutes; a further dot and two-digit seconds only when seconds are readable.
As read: 12.38
